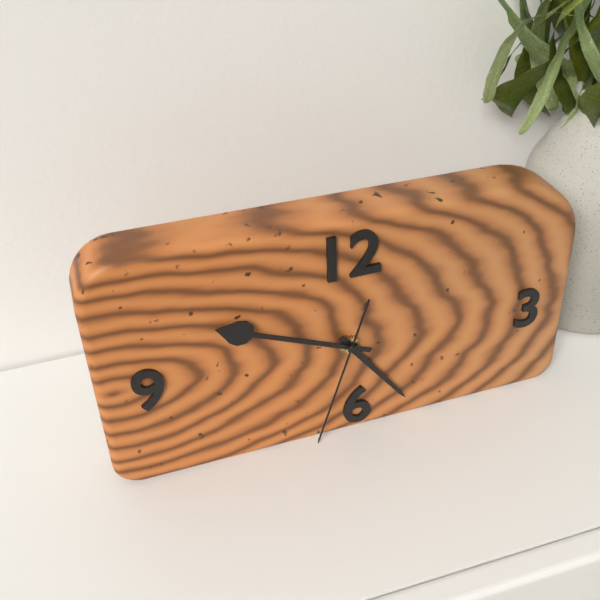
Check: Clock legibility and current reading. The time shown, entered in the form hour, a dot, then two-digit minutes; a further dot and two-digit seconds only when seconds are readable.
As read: 4.49.33
